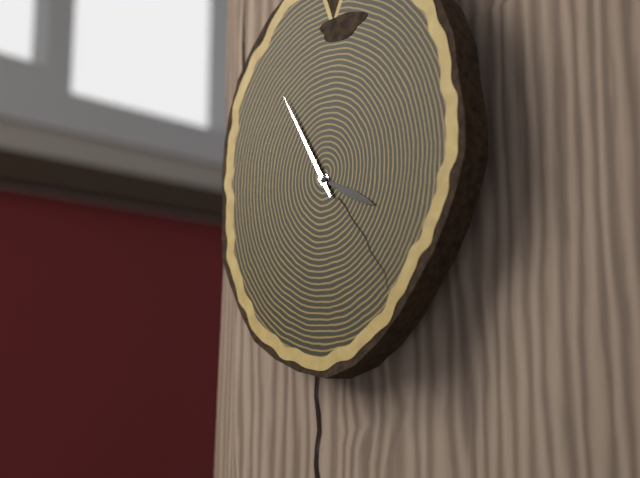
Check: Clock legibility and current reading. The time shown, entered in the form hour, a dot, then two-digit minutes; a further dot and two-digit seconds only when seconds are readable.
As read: 3.55
